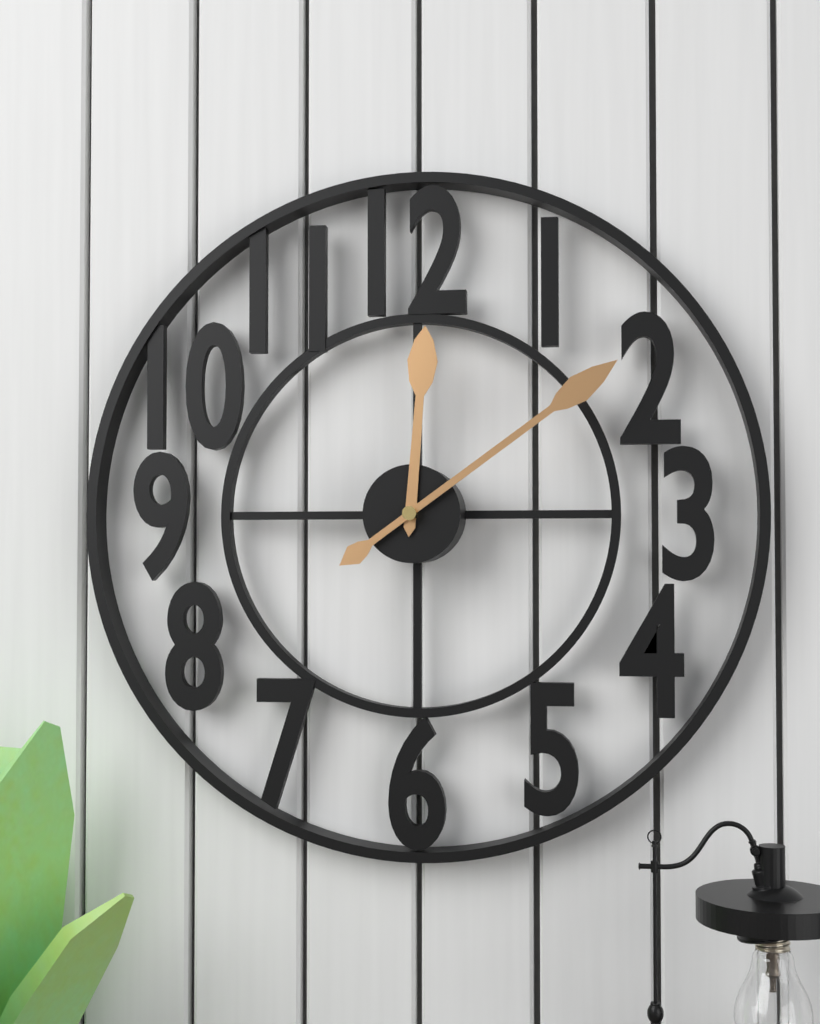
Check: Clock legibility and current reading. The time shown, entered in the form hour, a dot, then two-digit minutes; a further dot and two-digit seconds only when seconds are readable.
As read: 12.09
